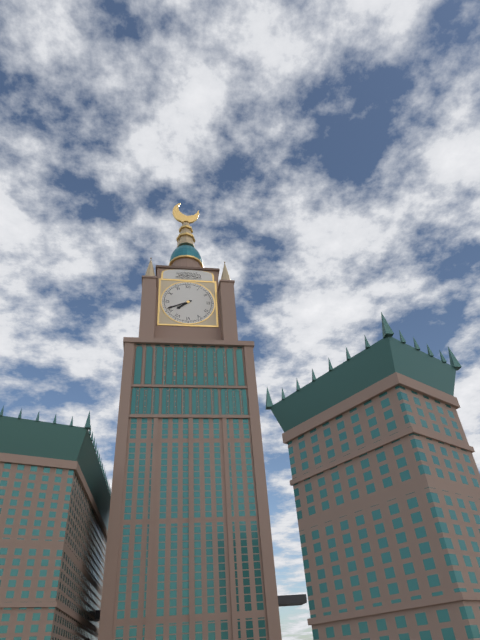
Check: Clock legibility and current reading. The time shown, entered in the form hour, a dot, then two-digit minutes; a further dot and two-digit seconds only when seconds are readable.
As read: 7.41
